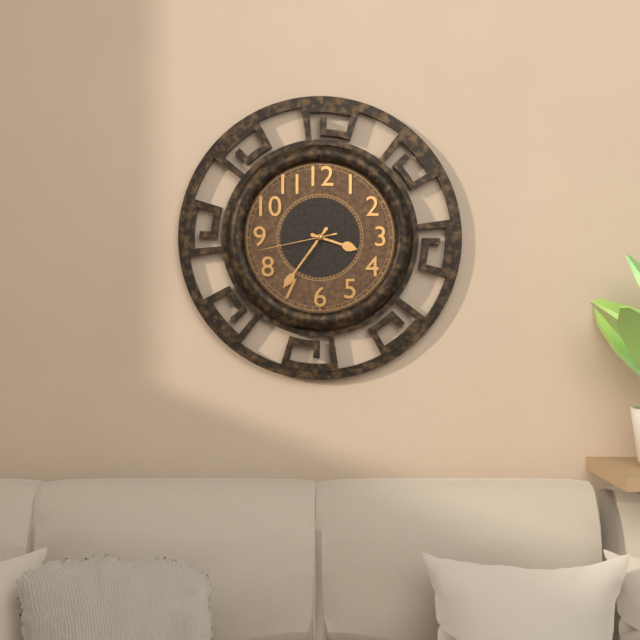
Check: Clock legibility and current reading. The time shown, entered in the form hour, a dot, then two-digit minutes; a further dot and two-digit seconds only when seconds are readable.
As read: 3.36.43
